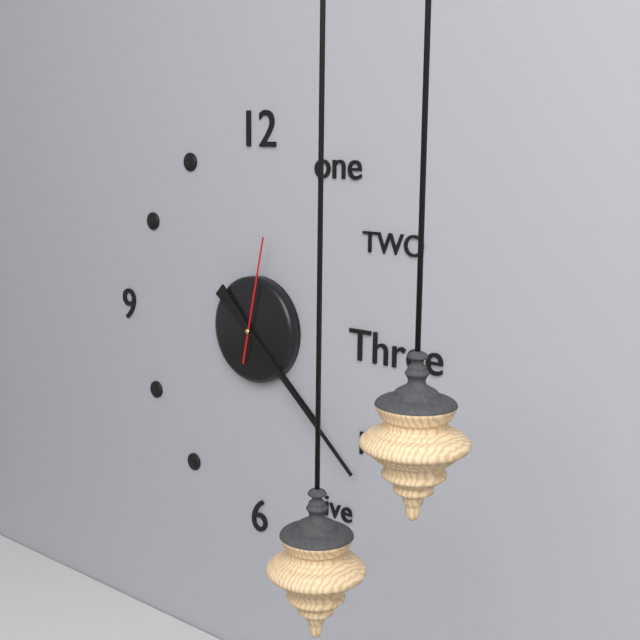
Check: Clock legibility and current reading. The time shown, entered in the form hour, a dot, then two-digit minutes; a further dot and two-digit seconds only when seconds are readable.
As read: 4.22.02
